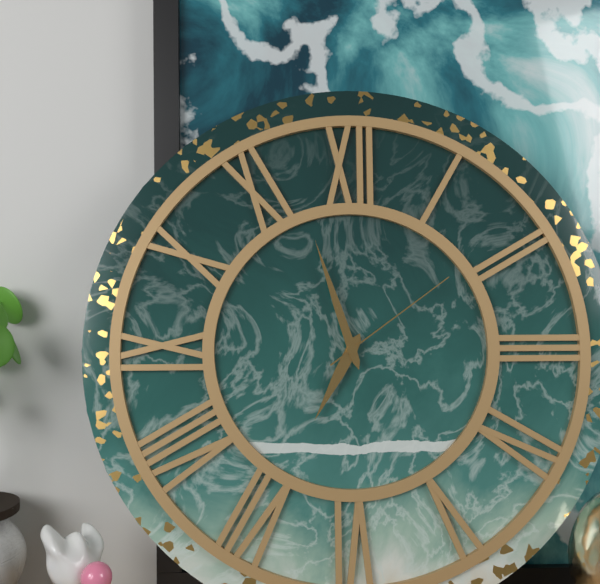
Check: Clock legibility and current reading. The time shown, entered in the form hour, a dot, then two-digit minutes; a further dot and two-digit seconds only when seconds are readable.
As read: 6.57.09
